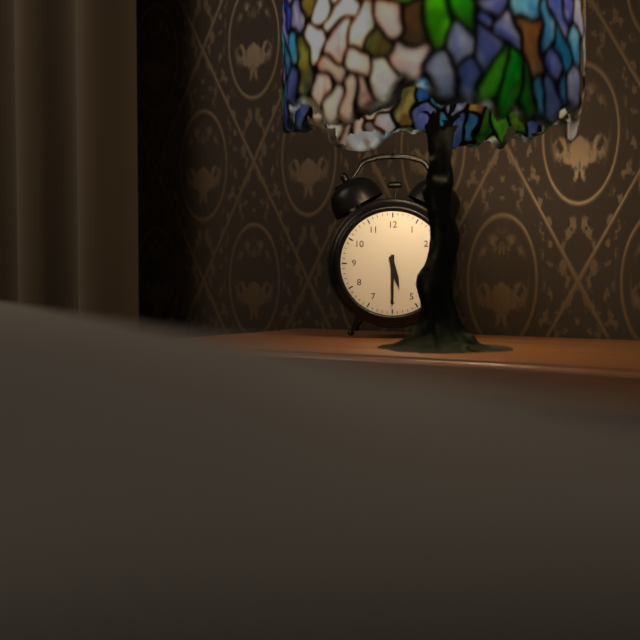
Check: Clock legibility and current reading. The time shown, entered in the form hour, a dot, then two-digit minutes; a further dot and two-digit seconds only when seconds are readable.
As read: 5.30
